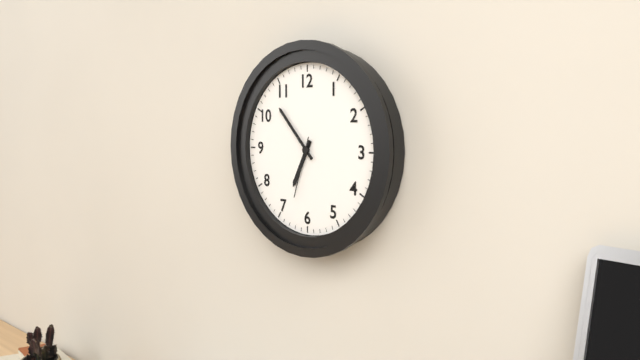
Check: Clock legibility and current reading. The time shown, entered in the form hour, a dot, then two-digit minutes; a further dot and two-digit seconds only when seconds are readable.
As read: 6.53.33
